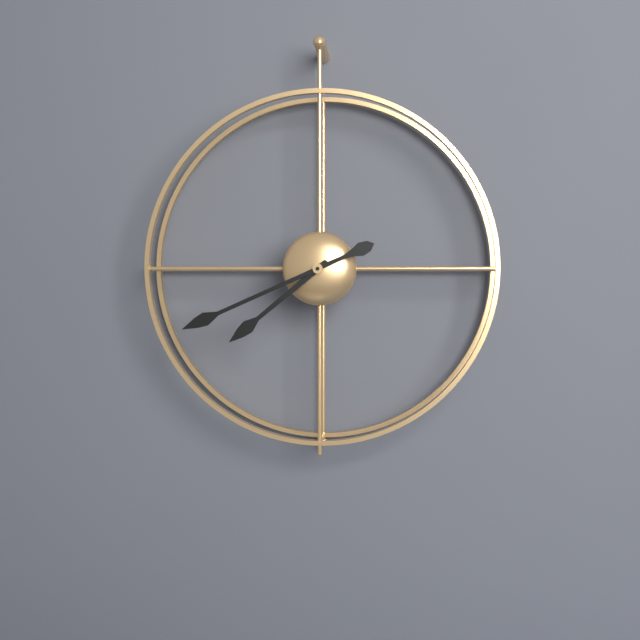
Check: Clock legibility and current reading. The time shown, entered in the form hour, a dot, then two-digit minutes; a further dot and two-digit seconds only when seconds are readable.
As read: 7.41
